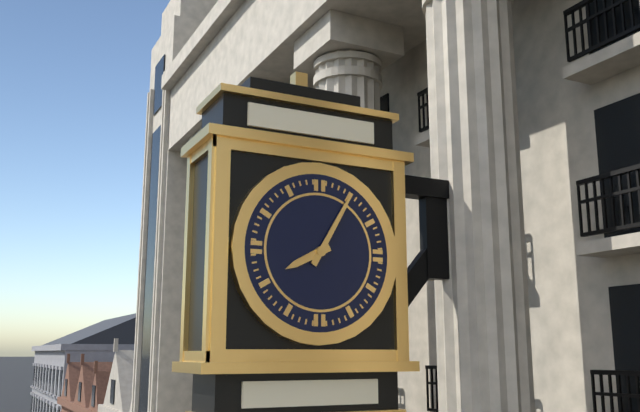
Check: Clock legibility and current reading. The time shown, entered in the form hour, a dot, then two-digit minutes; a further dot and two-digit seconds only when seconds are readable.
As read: 8.05
